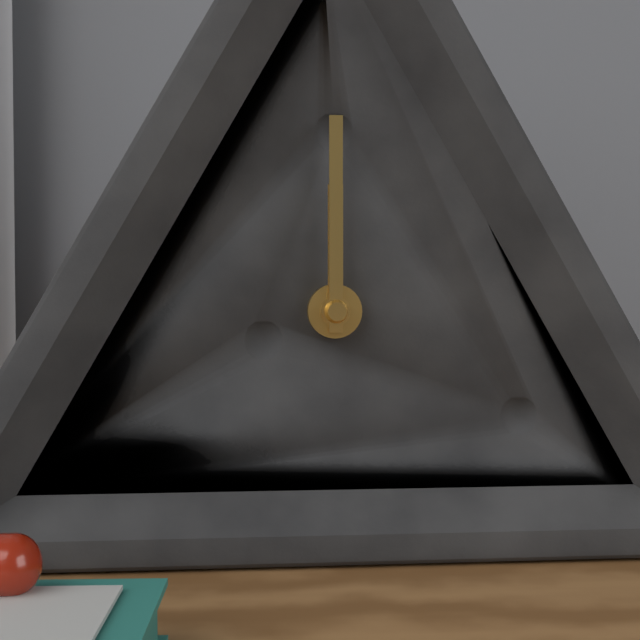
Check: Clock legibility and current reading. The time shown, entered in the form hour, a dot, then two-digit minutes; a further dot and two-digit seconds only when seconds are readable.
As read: 12.00
